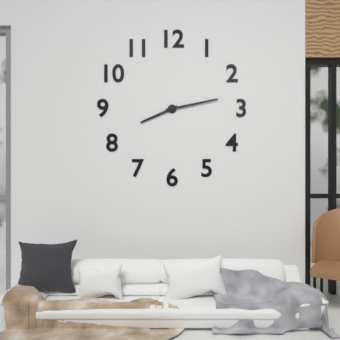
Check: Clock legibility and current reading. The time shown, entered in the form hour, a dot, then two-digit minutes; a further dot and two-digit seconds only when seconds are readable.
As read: 8.13
